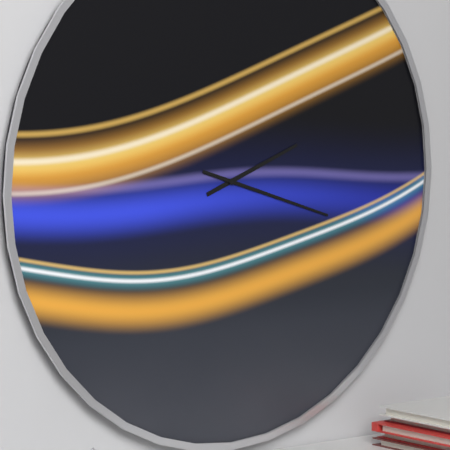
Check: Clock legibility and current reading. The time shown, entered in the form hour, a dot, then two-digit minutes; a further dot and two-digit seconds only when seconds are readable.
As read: 2.18
